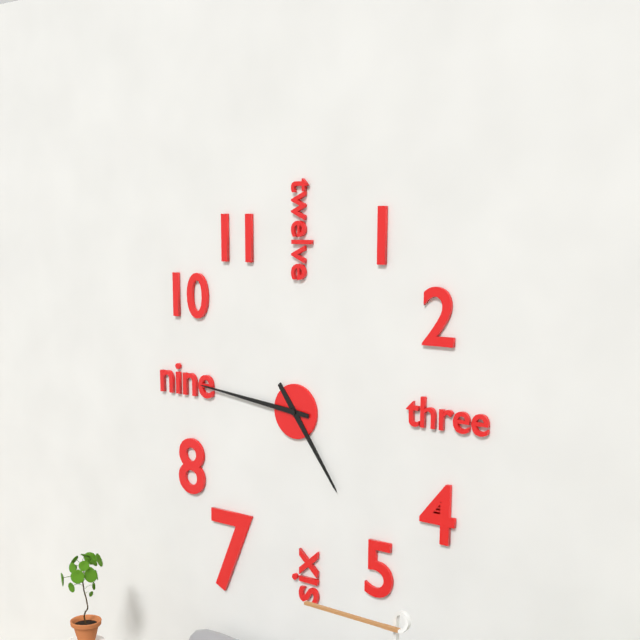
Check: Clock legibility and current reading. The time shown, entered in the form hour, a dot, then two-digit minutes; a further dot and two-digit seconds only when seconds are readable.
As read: 4.46
